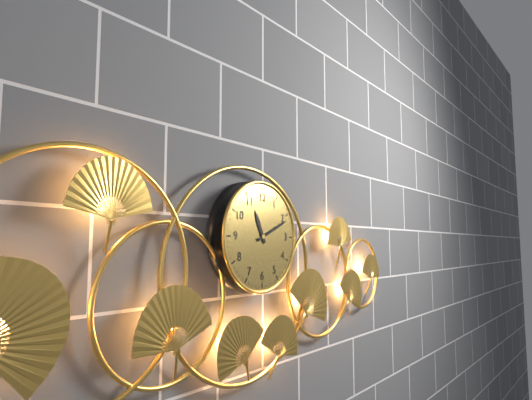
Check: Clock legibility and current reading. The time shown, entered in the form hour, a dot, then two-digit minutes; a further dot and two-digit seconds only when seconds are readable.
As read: 11.11
